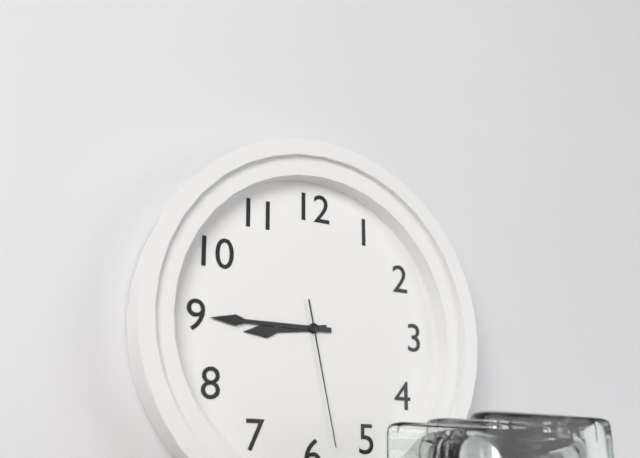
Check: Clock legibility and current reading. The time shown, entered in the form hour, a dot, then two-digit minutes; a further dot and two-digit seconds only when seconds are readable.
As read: 8.45.28
